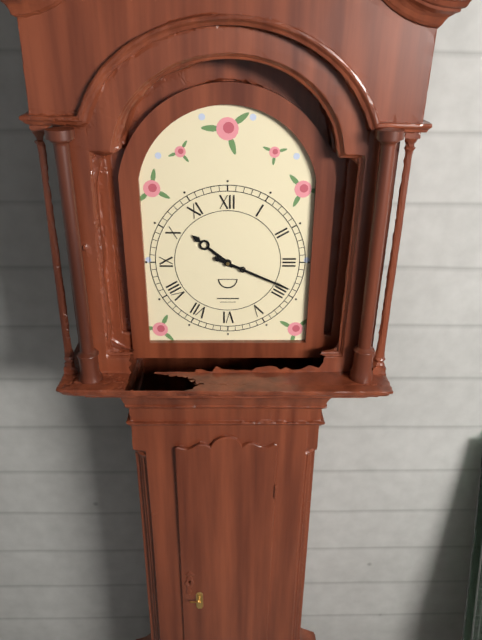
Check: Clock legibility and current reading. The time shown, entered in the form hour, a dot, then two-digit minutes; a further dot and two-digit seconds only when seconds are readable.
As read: 10.19
